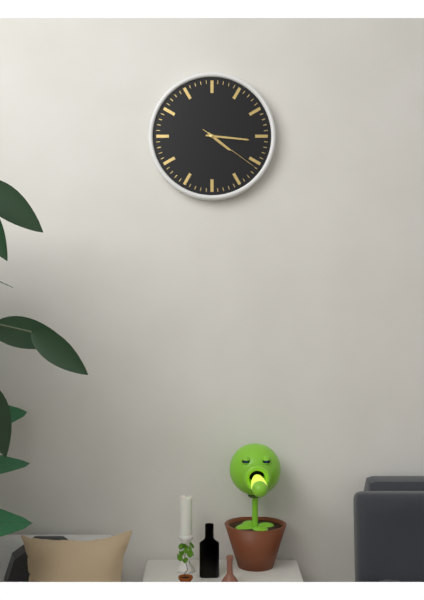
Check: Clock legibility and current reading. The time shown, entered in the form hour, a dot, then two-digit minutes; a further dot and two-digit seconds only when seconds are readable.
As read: 4.16.21
